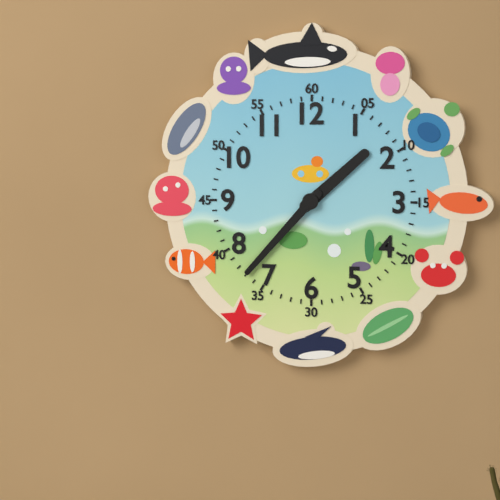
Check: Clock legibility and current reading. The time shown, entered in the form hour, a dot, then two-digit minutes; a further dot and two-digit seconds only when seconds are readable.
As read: 1.37
